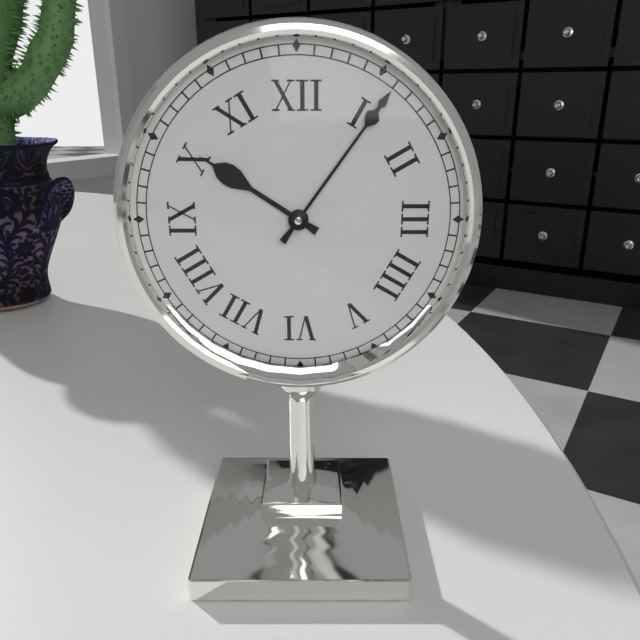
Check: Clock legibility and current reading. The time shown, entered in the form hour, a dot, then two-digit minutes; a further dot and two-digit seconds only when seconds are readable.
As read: 10.06
